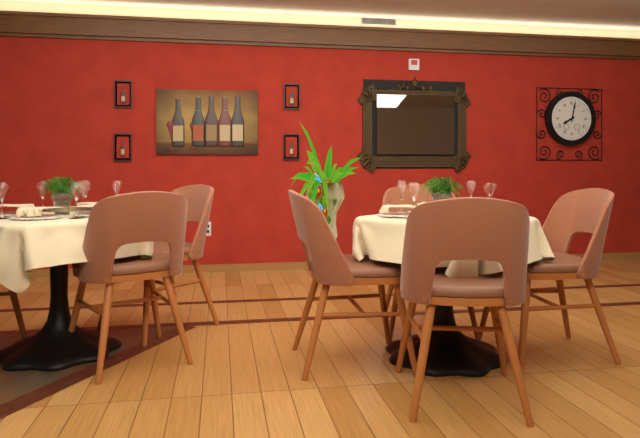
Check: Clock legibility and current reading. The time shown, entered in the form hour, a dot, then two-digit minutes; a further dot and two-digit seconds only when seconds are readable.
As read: 8.02
